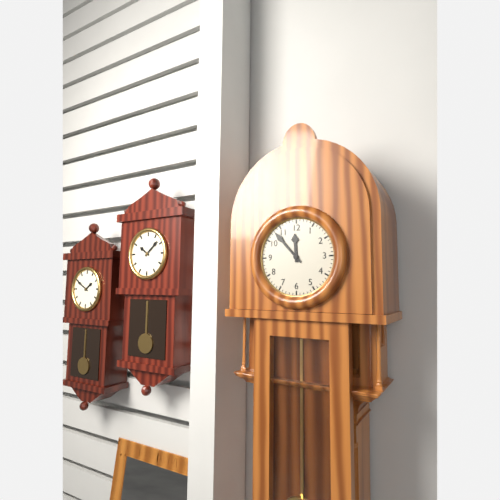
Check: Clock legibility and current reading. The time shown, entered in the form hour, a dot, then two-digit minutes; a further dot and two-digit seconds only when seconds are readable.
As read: 11.53
